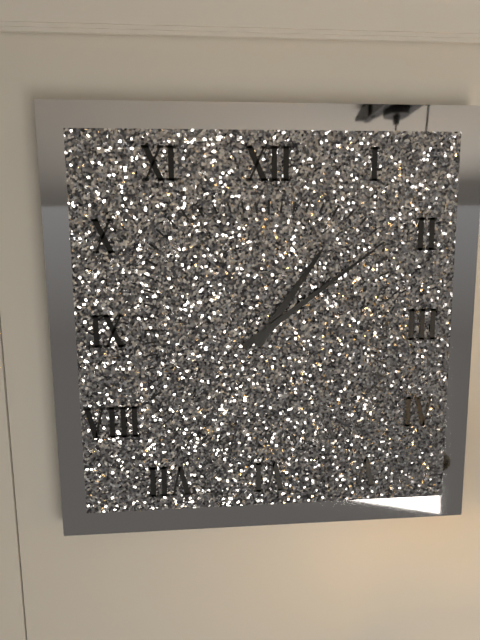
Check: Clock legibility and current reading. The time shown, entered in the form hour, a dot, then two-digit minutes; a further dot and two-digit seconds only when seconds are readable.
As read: 1.09
